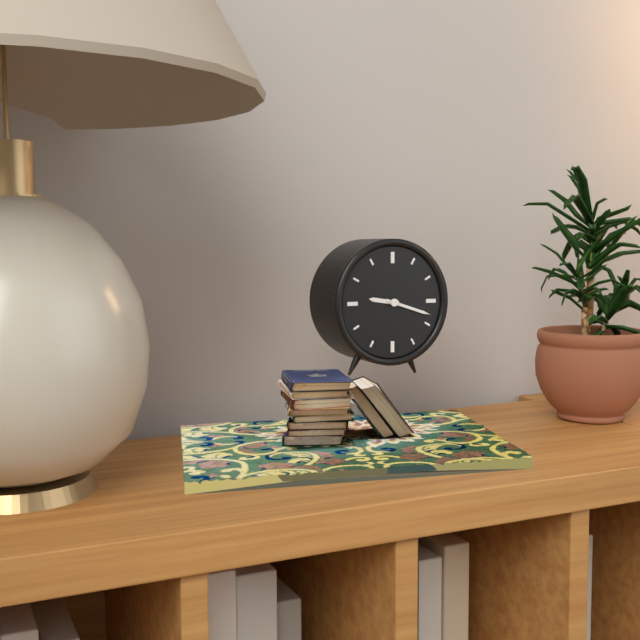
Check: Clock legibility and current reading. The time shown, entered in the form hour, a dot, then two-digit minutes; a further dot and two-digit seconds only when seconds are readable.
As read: 9.18
